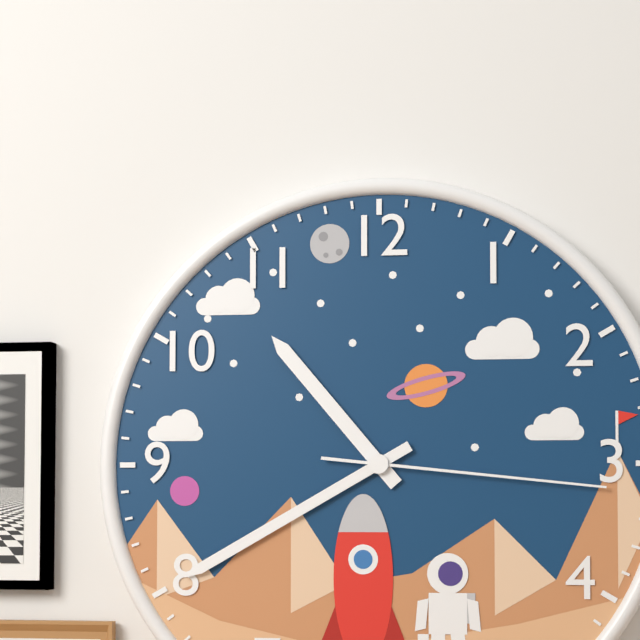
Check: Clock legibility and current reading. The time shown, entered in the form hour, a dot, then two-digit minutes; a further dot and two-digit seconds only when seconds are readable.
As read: 10.40.16
